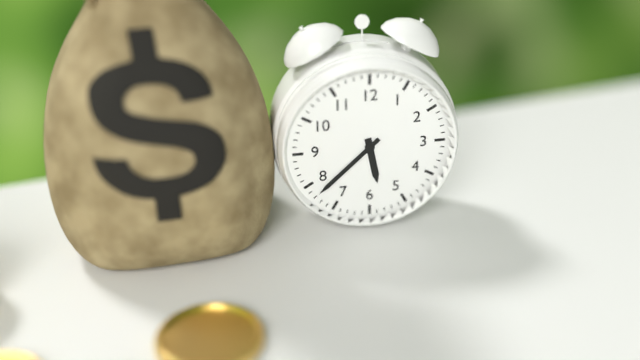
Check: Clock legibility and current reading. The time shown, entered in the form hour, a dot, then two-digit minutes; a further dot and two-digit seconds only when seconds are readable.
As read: 5.38
